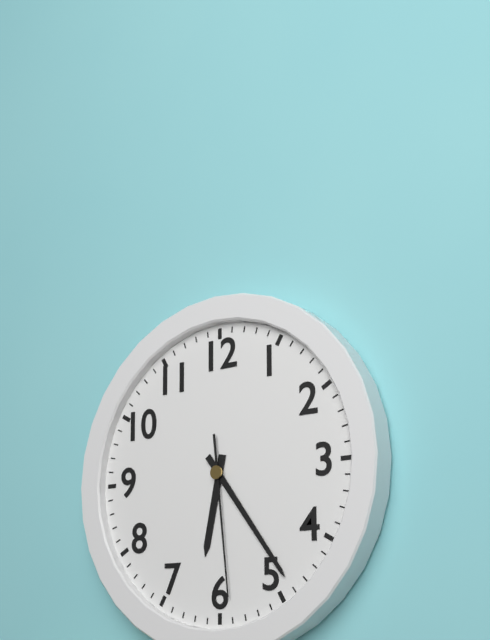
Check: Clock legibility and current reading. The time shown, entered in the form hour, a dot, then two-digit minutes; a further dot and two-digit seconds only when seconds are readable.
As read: 6.24.29
